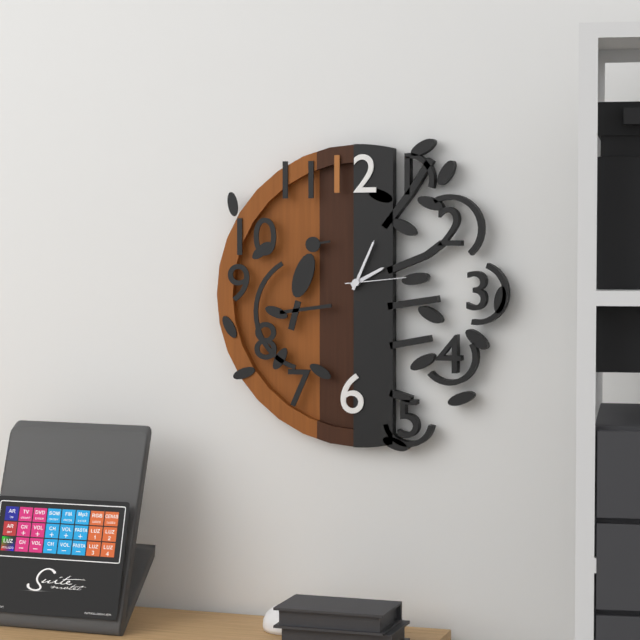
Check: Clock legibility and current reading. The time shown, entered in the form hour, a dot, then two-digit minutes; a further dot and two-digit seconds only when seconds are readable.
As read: 2.04.14
